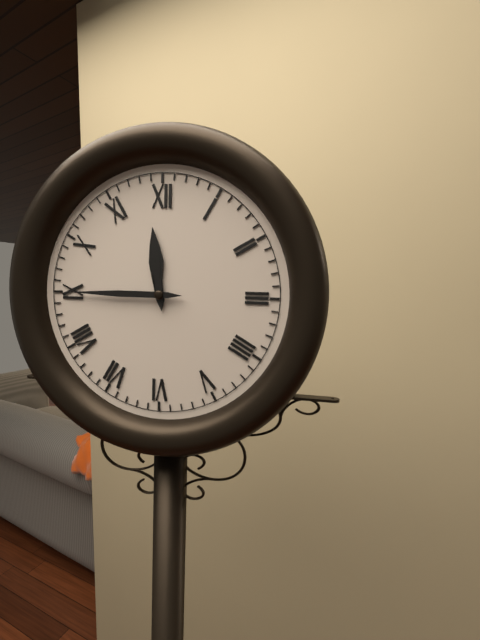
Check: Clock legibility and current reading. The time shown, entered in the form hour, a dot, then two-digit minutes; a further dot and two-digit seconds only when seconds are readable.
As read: 11.45
